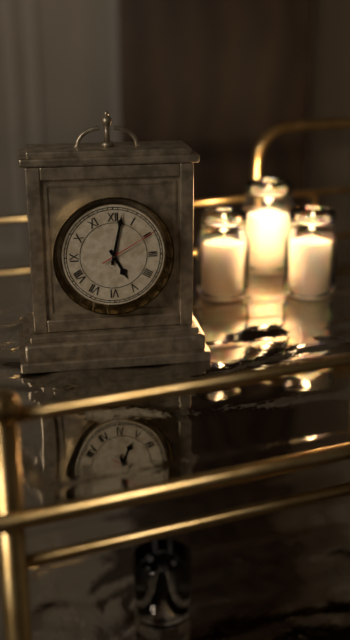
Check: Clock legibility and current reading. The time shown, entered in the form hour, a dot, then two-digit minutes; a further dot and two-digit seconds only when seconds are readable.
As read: 5.02.10
